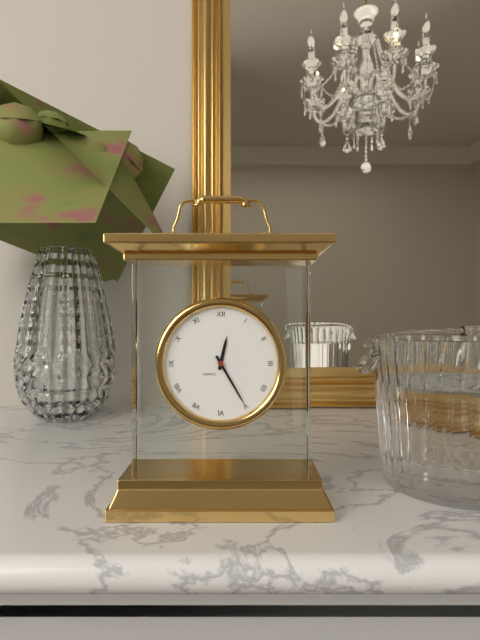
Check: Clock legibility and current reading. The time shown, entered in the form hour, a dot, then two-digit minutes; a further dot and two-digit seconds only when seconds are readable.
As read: 12.25
